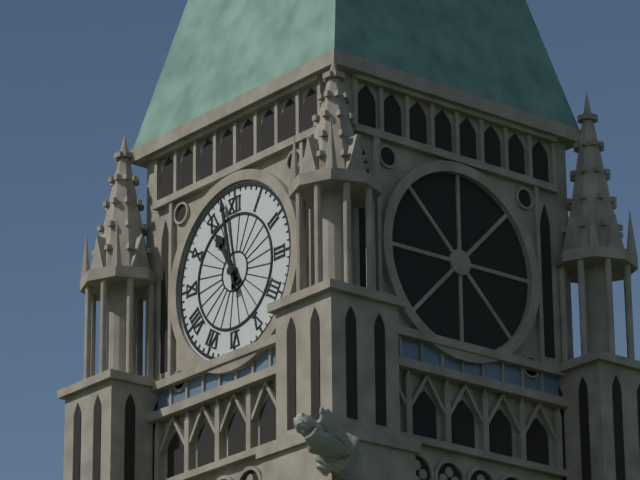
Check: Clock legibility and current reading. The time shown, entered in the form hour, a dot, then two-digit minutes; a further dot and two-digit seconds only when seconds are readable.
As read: 10.58
